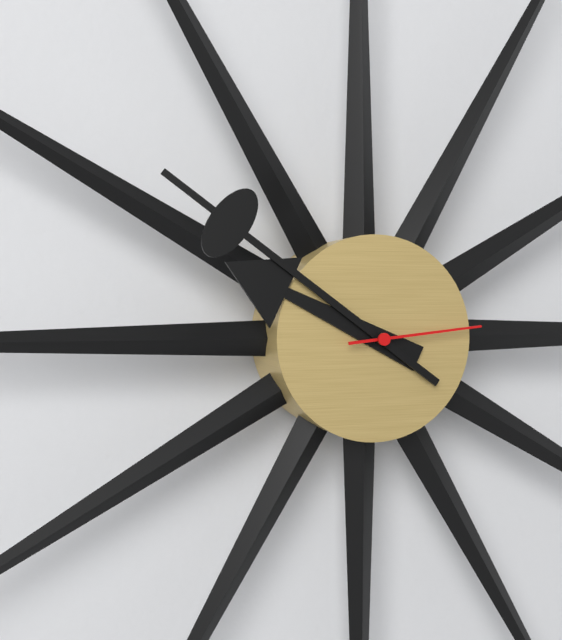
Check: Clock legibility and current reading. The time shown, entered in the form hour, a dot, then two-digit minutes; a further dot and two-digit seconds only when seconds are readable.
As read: 9.51.14
